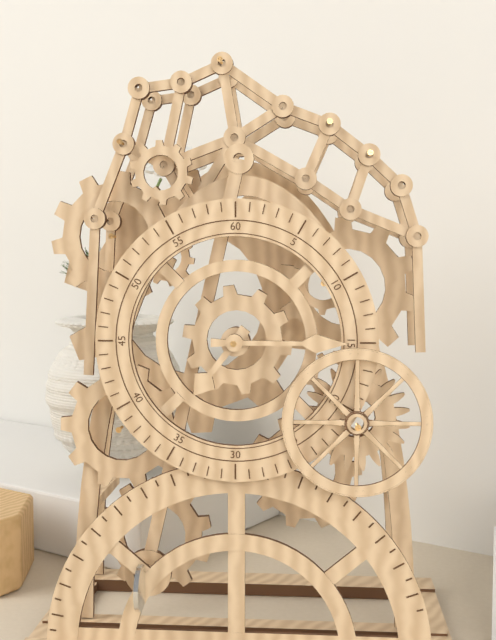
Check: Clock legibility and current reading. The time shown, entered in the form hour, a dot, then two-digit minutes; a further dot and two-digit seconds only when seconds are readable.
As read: 7.15
